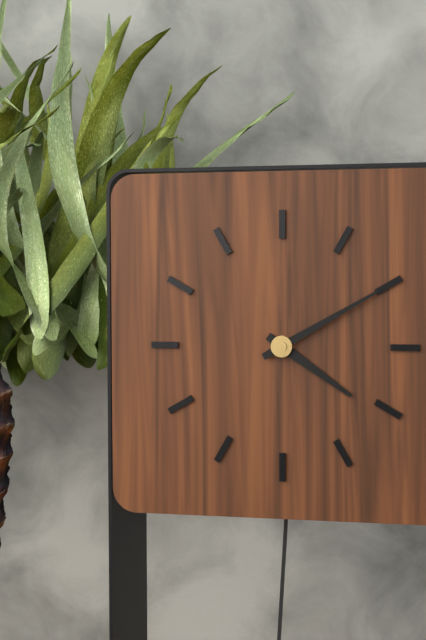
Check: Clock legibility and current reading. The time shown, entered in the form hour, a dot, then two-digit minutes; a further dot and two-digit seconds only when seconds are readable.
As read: 4.10
